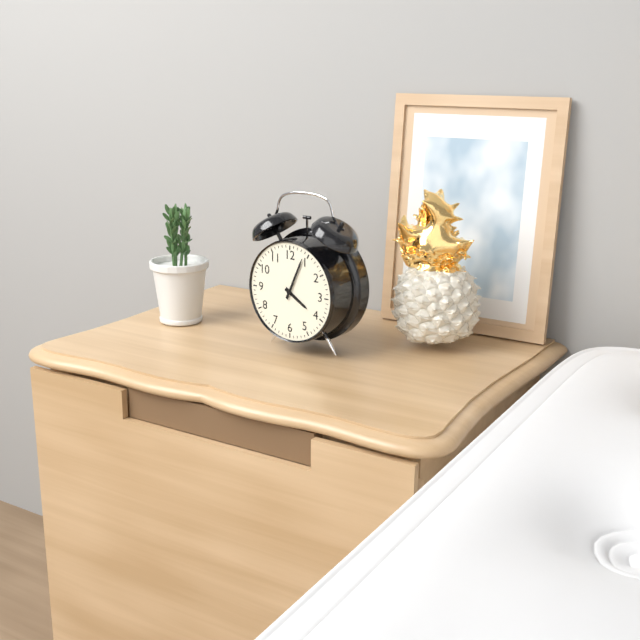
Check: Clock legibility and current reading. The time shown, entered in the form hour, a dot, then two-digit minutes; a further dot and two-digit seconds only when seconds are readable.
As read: 4.04
